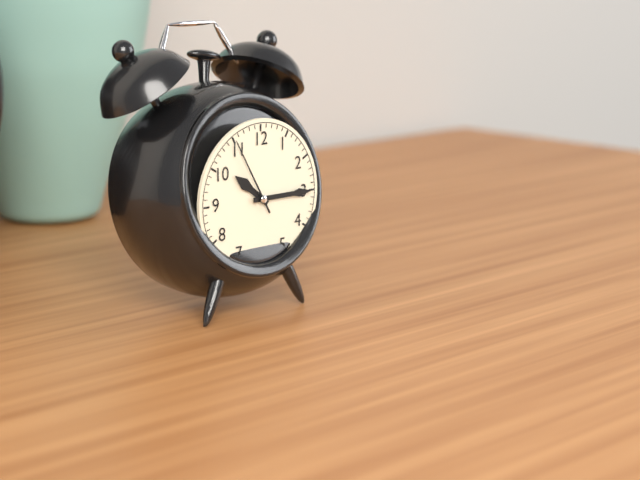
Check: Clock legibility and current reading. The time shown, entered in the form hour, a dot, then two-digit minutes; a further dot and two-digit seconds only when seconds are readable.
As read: 10.15.55
